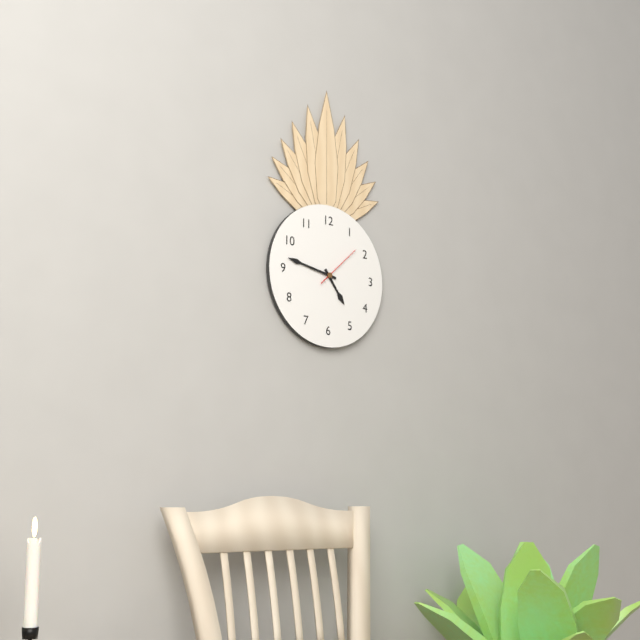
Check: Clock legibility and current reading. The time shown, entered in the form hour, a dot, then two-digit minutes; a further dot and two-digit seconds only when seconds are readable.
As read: 4.47
